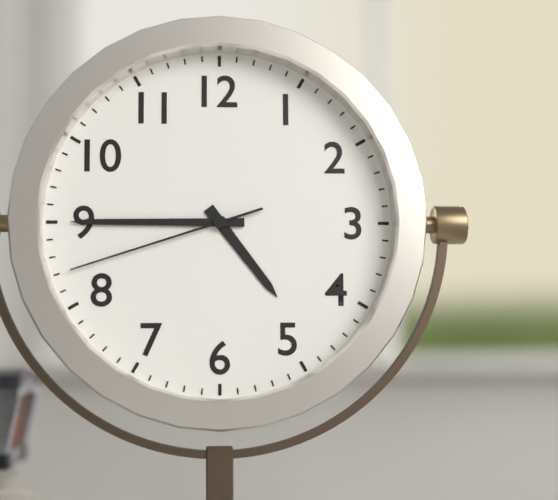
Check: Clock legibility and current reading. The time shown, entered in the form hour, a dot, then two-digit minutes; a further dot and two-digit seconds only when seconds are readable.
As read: 4.45.42
